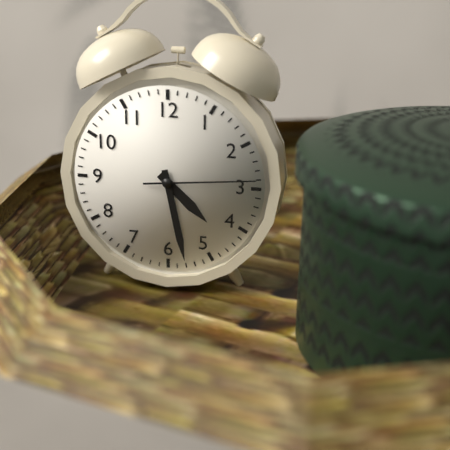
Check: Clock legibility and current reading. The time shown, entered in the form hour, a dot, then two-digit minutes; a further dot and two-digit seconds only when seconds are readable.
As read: 4.28.14
